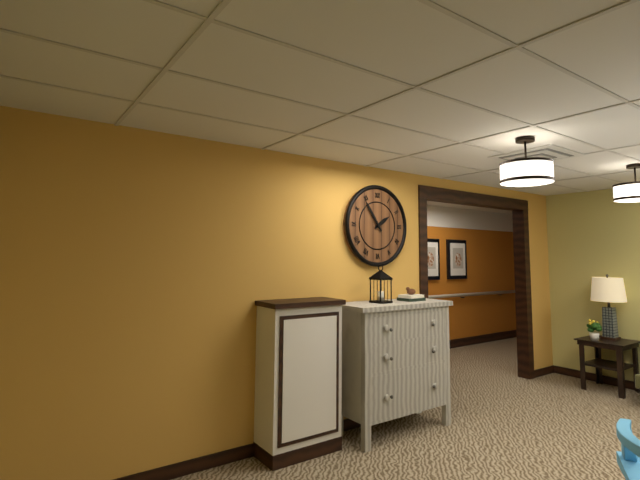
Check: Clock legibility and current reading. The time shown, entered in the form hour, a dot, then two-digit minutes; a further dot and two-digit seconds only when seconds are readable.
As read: 1.54
